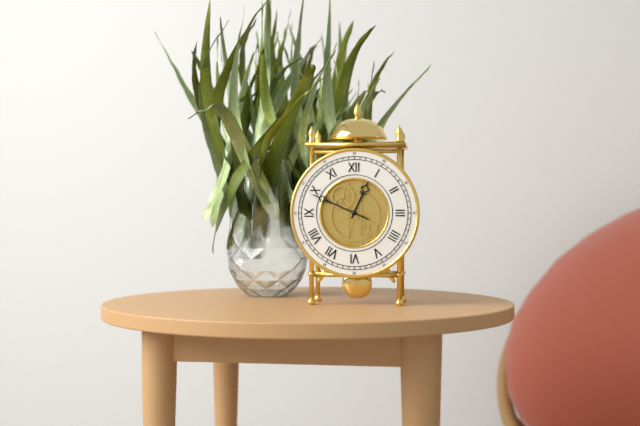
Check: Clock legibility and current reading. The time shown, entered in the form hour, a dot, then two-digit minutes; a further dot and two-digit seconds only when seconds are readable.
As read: 12.49
